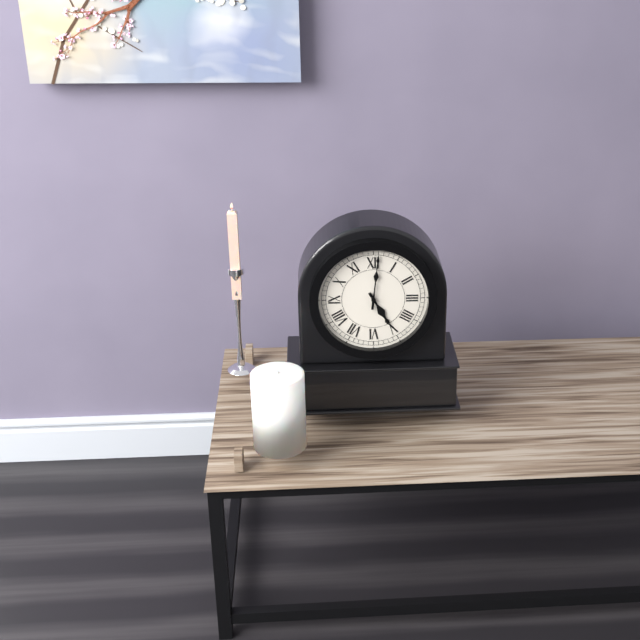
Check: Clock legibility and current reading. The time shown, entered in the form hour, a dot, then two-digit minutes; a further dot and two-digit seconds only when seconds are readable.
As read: 5.01
